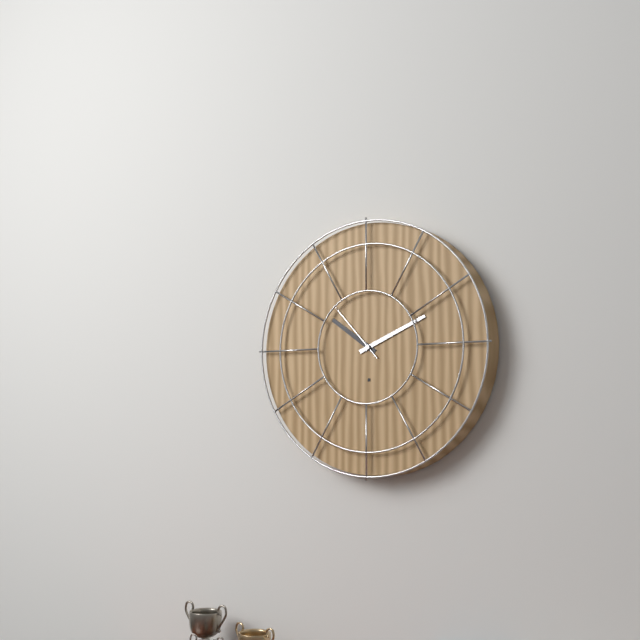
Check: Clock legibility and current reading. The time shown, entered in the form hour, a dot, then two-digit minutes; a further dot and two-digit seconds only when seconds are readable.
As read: 10.11.53
